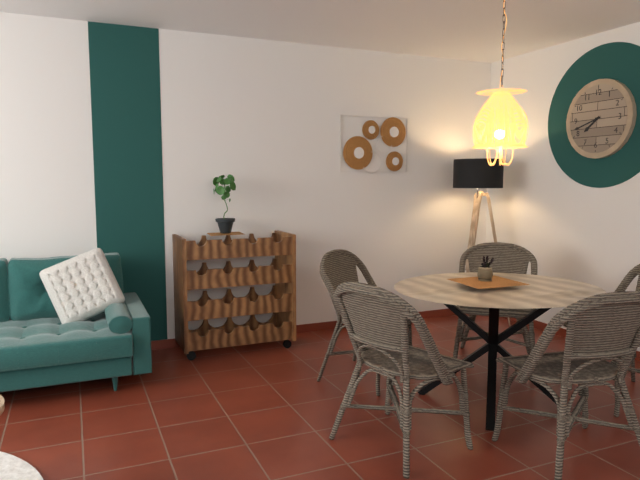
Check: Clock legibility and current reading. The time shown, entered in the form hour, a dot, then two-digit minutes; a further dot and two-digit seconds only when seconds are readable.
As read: 7.42
